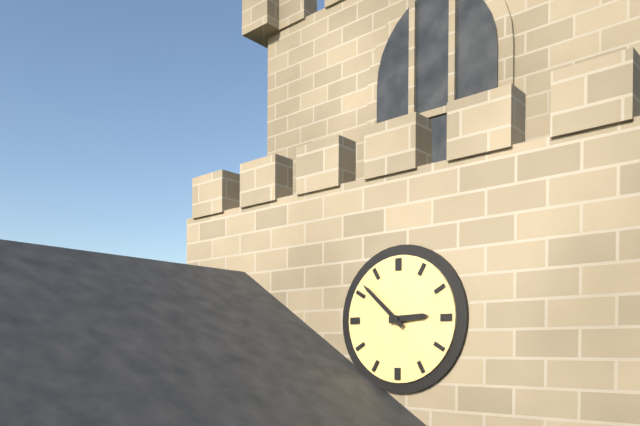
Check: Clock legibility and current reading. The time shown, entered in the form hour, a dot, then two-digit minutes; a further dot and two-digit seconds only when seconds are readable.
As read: 2.52
